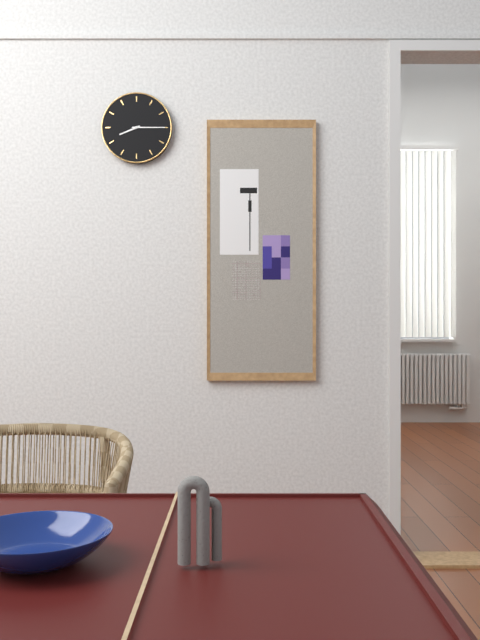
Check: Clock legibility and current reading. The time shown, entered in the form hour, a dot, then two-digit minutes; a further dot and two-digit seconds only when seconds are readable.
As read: 8.15
